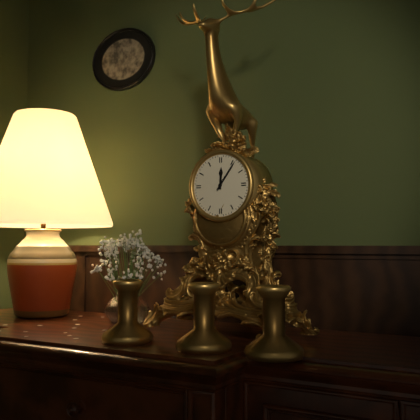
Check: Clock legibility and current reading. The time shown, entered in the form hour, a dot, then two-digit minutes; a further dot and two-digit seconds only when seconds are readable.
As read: 12.06
